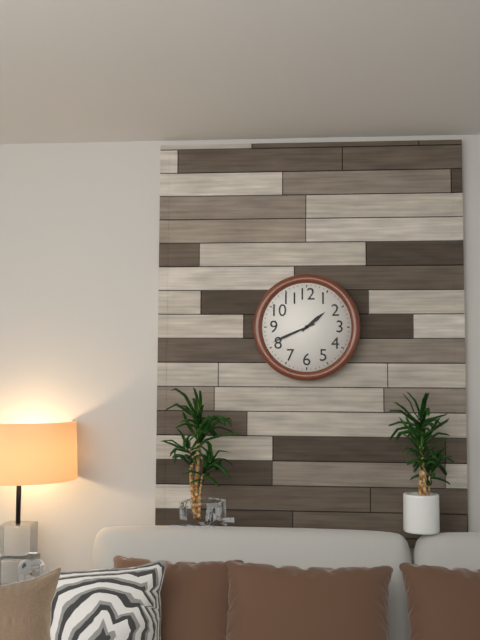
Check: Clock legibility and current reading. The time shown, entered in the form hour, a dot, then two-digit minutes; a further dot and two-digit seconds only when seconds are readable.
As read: 1.41
